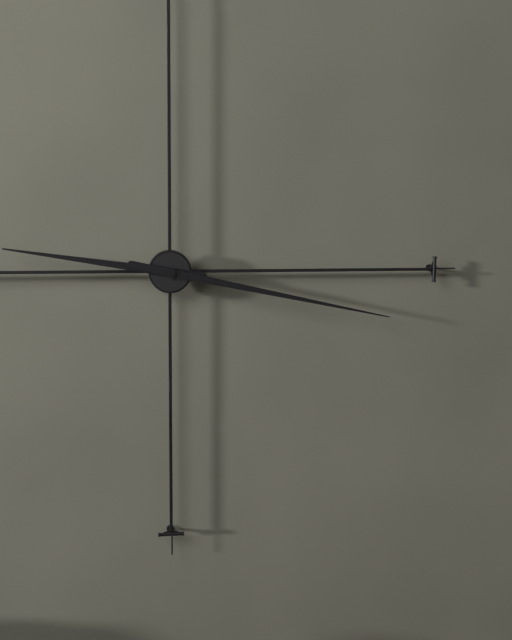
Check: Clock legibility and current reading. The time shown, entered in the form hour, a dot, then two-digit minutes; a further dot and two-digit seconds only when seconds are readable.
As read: 9.17
